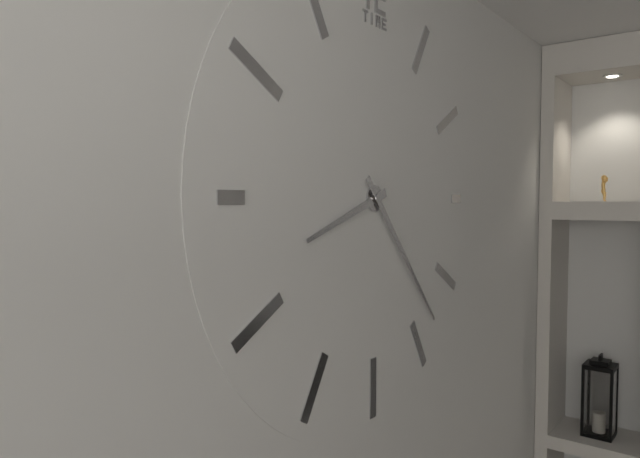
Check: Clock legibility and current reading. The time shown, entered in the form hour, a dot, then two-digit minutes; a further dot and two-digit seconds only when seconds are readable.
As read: 8.23
